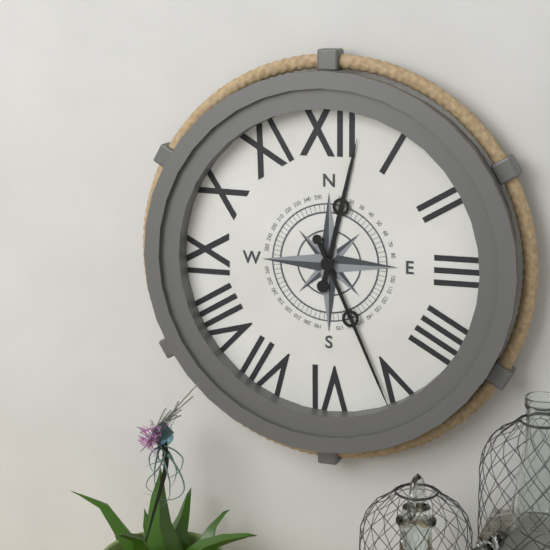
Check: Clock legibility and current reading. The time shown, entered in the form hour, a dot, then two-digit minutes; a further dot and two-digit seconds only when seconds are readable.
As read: 12.26
